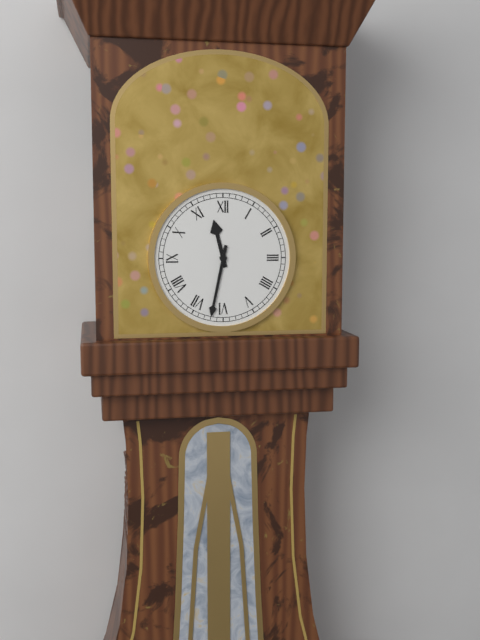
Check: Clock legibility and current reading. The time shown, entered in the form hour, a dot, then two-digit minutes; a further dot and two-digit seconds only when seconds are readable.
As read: 11.32
